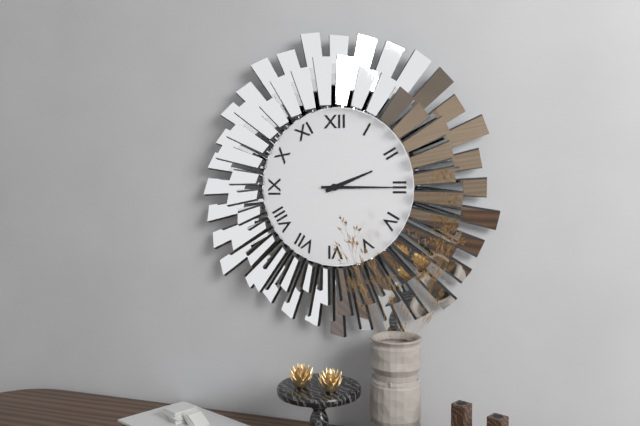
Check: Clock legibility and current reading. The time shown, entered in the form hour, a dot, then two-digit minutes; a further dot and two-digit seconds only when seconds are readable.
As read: 2.15
